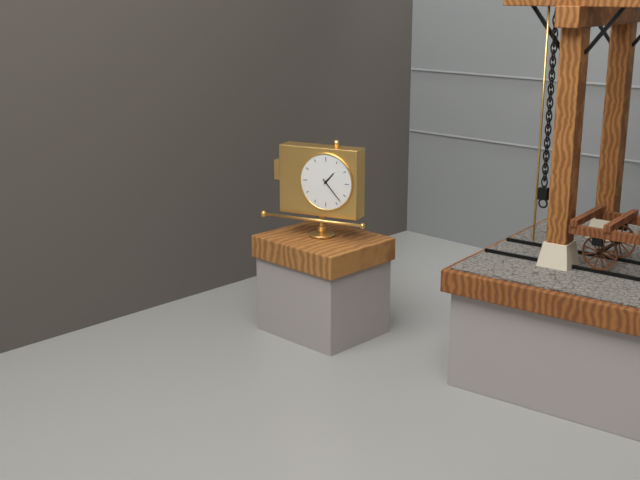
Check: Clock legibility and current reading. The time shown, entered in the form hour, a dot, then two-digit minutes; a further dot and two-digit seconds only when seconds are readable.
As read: 1.23
